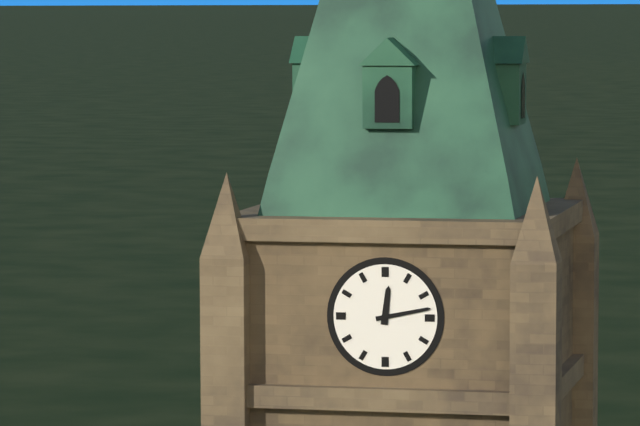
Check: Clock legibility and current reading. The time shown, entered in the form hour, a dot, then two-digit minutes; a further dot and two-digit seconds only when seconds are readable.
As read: 12.13
